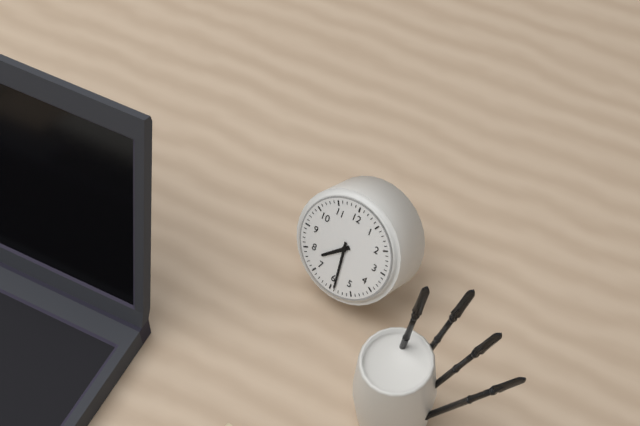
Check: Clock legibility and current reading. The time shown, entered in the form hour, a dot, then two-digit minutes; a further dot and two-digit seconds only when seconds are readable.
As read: 7.29
